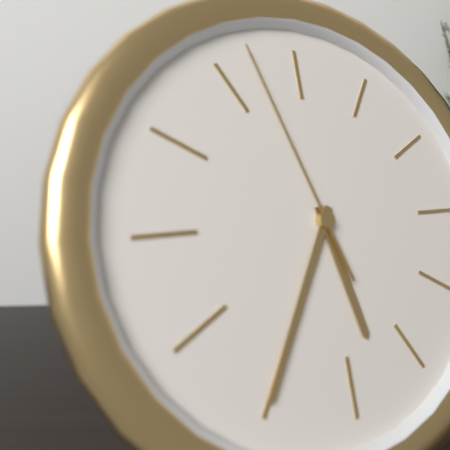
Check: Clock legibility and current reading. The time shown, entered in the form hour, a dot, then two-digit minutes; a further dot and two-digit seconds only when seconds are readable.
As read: 5.35.57
